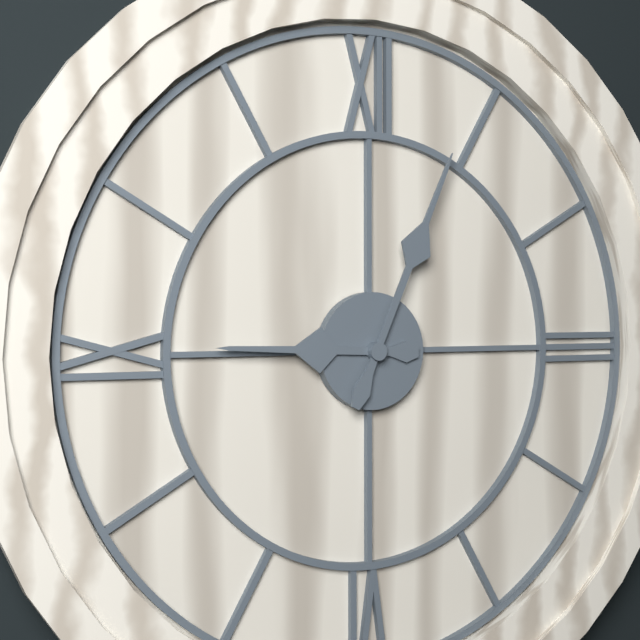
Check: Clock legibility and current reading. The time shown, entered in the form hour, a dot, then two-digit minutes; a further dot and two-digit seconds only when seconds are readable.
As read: 9.04
